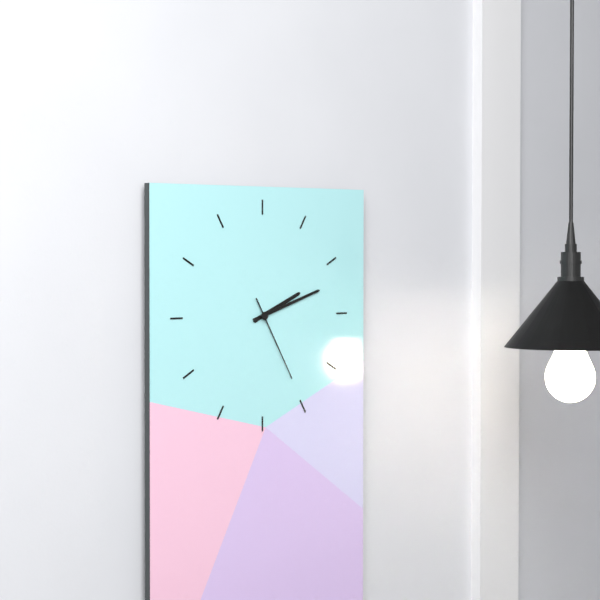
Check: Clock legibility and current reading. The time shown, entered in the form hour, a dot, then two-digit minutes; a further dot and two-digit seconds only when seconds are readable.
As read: 2.12.25
